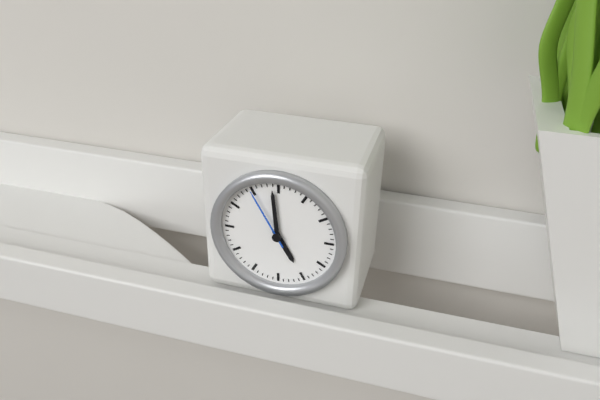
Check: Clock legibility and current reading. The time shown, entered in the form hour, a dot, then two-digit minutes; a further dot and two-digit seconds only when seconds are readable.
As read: 4.59.55
